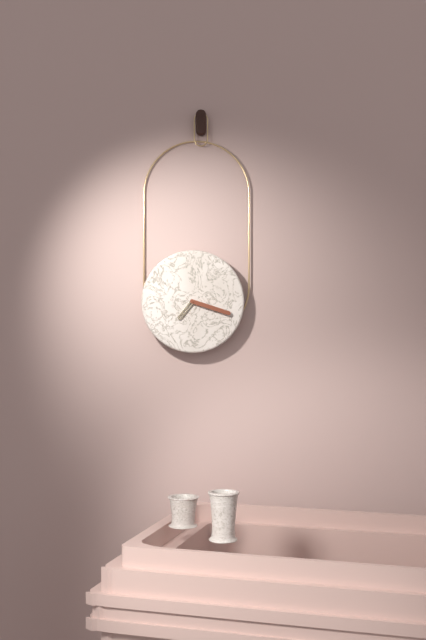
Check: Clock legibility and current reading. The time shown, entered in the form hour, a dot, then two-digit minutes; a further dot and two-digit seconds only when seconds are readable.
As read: 7.18
